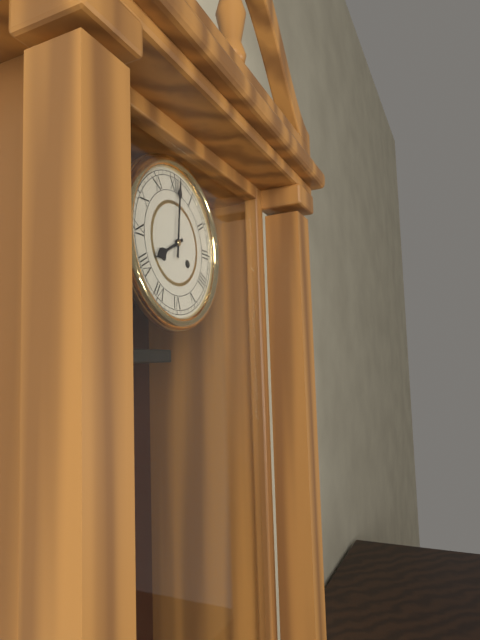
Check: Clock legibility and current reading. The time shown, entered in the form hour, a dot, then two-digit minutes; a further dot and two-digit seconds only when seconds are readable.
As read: 8.01
